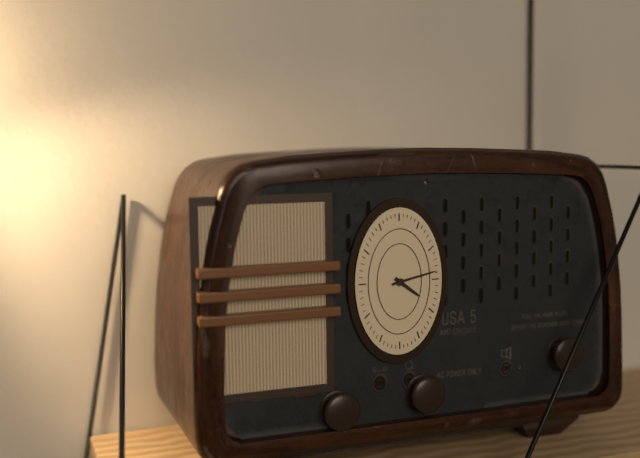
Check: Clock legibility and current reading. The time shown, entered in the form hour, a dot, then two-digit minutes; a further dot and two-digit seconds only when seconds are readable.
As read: 4.13
